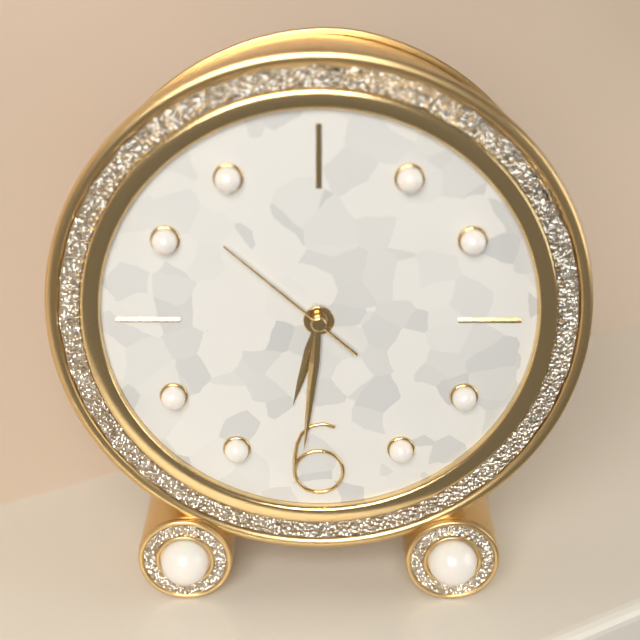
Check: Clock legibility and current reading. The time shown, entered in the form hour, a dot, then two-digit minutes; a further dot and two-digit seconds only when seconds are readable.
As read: 6.31.52
